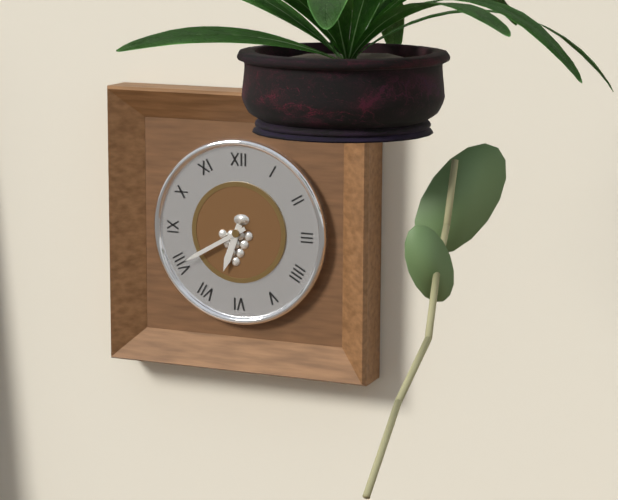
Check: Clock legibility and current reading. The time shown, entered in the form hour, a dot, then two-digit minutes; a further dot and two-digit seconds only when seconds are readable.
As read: 6.40
